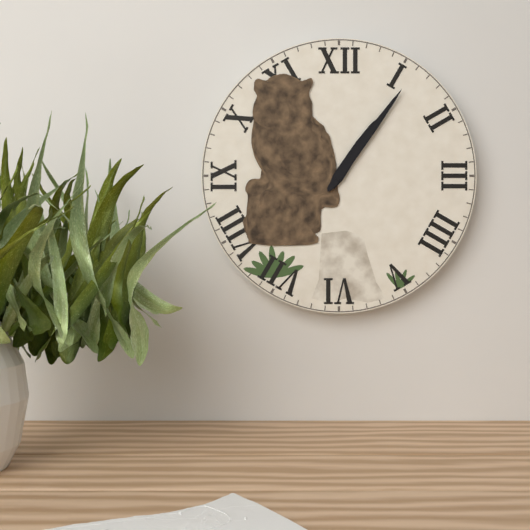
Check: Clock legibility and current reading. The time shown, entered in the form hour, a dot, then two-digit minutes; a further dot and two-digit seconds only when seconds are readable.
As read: 1.06
